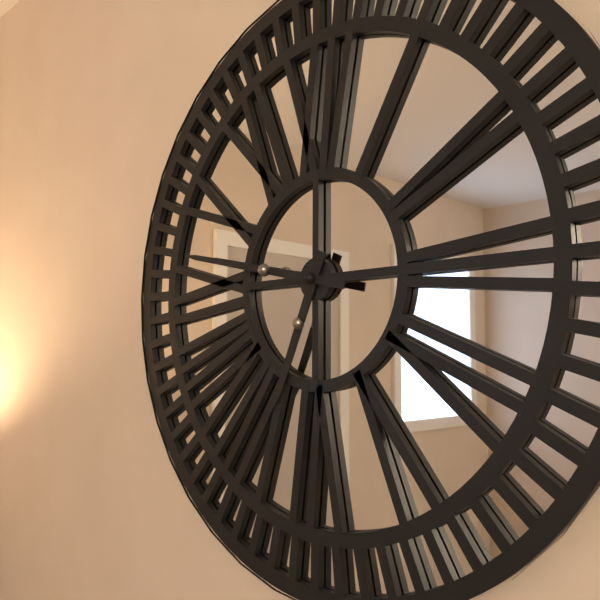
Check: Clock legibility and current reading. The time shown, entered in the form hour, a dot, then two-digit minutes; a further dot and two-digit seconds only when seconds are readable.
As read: 6.47
